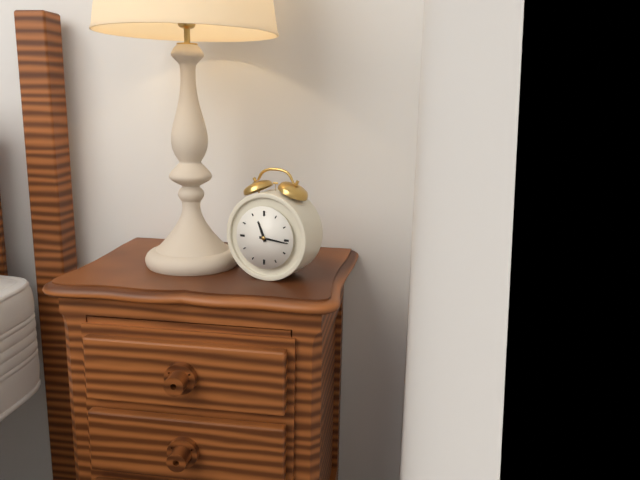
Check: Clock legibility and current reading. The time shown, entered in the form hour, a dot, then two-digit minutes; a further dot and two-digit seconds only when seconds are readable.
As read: 11.16
